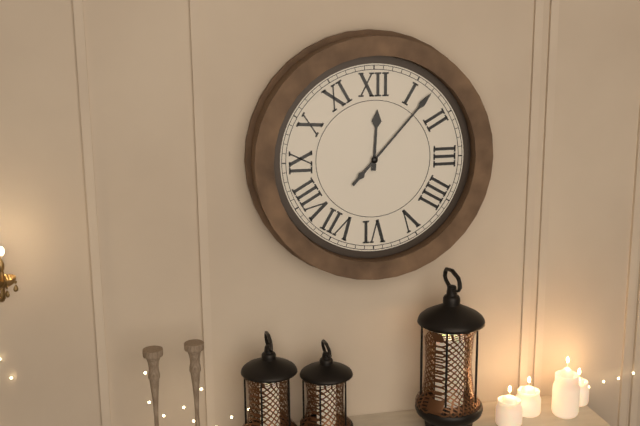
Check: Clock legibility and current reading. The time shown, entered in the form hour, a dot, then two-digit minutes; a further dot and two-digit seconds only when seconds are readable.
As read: 12.07
